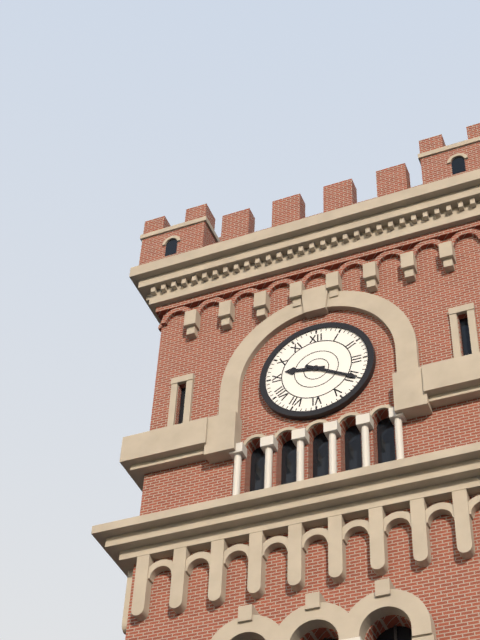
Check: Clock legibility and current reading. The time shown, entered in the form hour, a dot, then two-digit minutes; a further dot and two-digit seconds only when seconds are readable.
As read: 9.20
